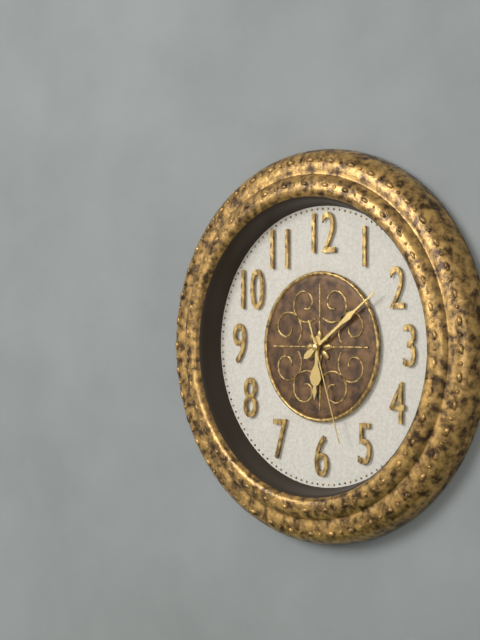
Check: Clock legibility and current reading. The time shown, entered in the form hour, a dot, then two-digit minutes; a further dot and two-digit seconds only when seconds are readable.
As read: 6.09.27
